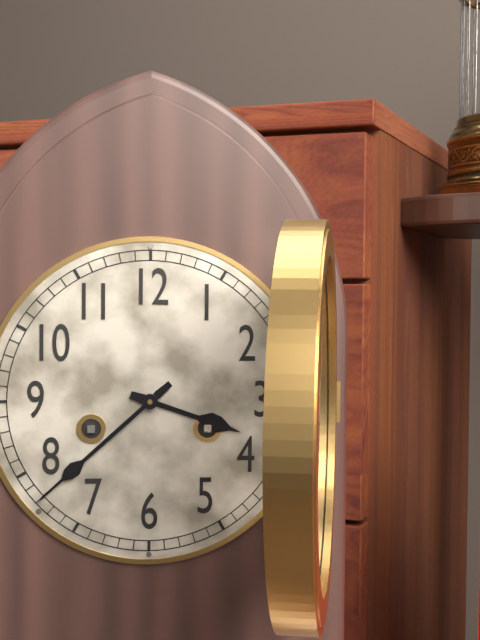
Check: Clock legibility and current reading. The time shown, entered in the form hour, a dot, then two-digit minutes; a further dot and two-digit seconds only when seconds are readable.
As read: 3.38
